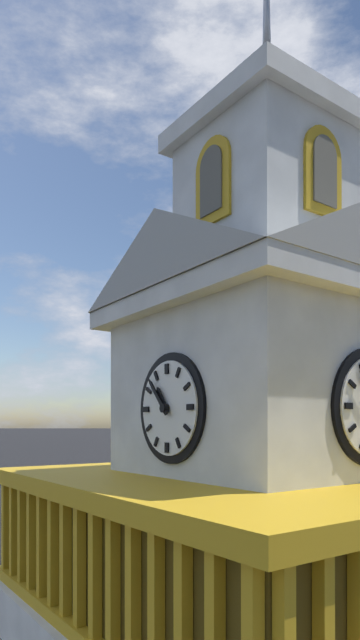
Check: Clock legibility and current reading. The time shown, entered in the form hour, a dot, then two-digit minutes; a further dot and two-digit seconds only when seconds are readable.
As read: 10.53
